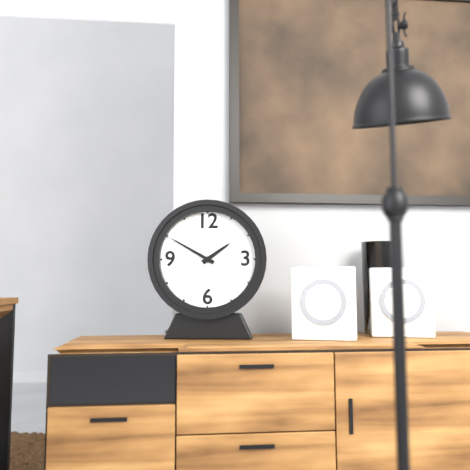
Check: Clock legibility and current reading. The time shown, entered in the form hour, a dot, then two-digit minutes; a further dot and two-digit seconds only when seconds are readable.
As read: 1.50
